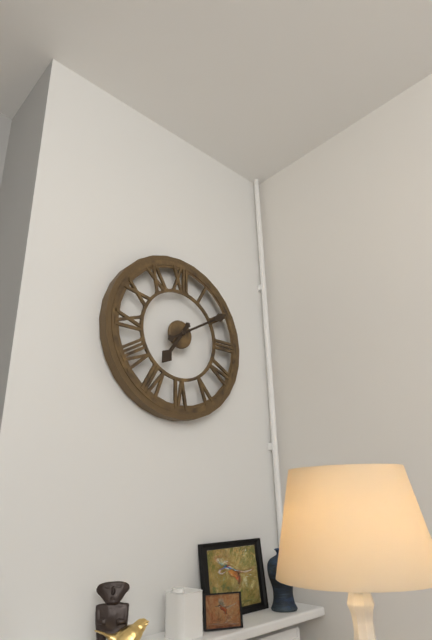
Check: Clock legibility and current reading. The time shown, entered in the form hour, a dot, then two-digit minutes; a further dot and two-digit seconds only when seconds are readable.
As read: 7.10
